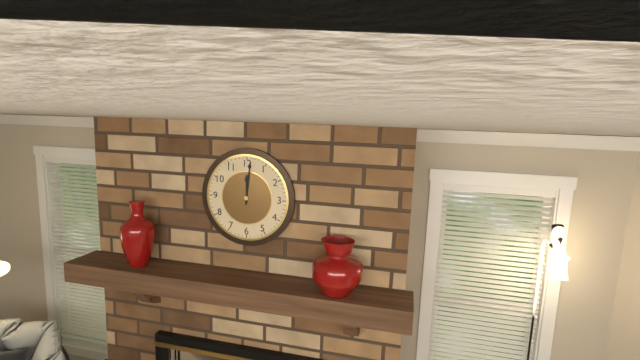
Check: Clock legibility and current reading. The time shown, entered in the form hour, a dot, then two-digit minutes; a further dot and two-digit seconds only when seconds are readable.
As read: 12.01
